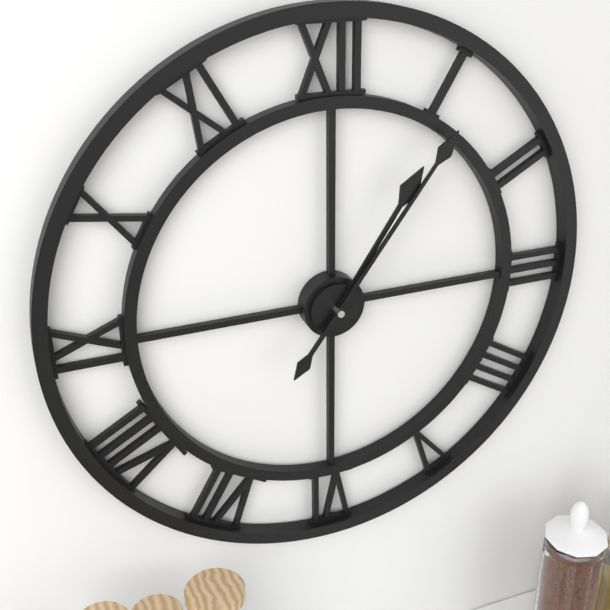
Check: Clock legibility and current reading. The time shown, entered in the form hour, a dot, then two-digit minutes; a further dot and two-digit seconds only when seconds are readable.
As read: 1.06
